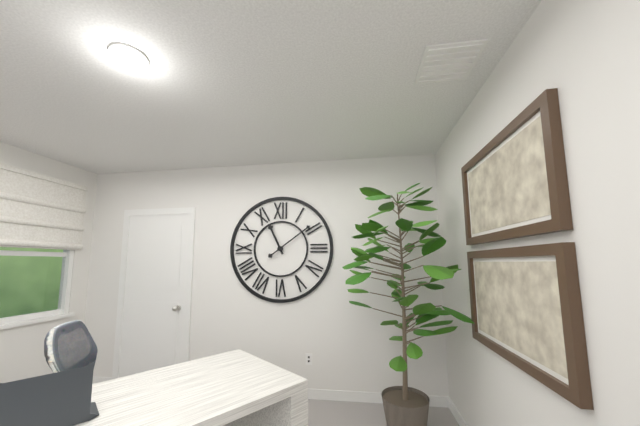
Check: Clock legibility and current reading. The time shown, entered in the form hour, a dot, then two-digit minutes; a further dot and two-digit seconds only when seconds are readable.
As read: 11.09
